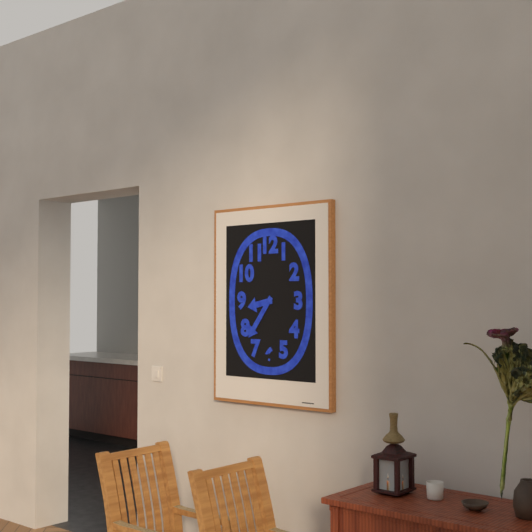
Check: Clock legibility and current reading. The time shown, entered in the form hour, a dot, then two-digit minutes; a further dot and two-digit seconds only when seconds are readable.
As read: 8.36
